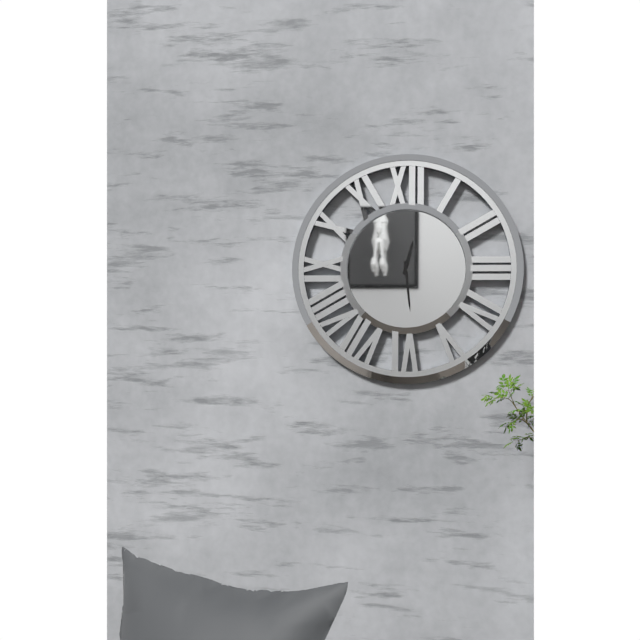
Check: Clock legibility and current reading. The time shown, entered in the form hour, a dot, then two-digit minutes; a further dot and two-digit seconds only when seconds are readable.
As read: 12.29
